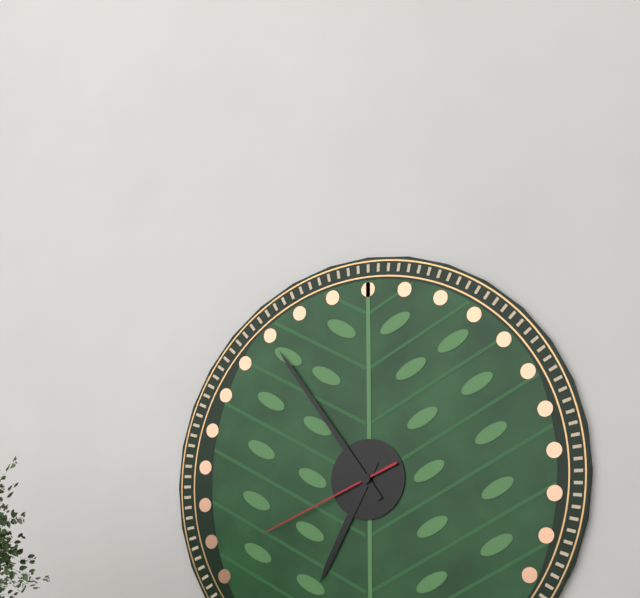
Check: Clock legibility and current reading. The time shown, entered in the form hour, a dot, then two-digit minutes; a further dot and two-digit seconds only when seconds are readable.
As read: 6.54.41
